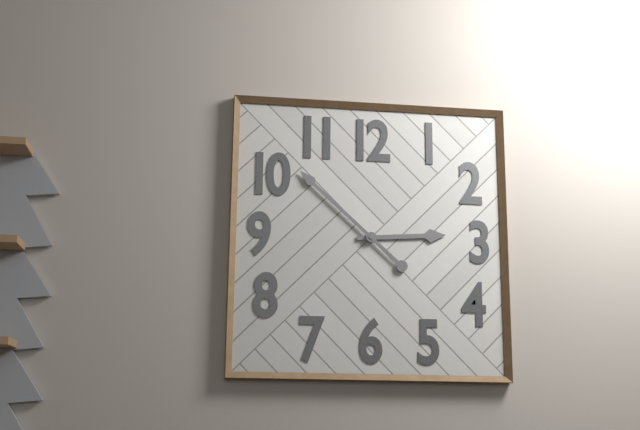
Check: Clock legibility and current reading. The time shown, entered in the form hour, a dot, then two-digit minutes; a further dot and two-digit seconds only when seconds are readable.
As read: 2.52
